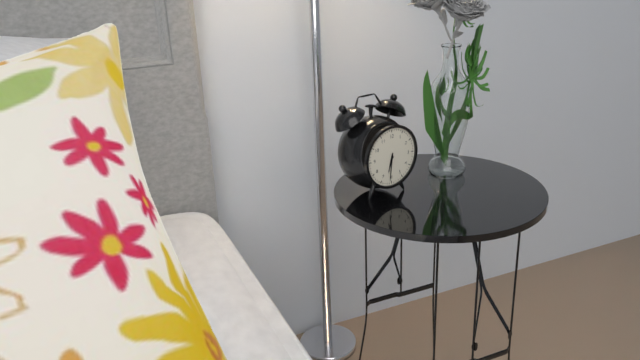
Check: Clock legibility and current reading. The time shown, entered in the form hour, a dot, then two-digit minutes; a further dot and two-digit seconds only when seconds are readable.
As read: 6.31
